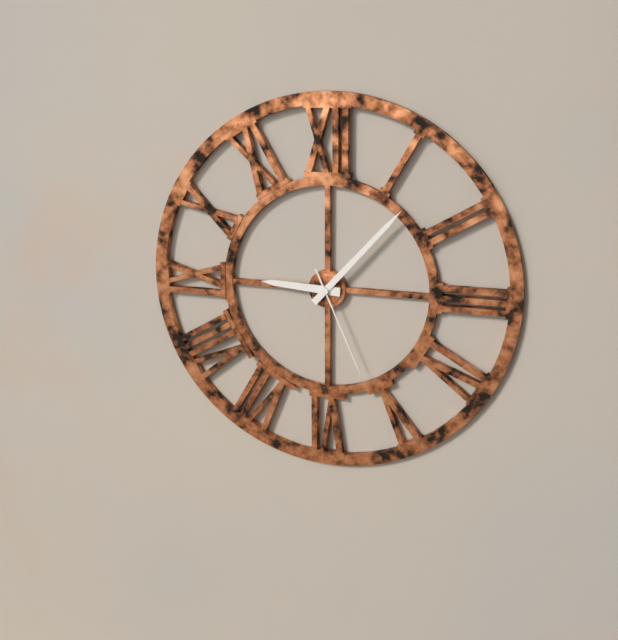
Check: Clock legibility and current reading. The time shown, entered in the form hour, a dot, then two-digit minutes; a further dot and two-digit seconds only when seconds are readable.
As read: 9.07.26
